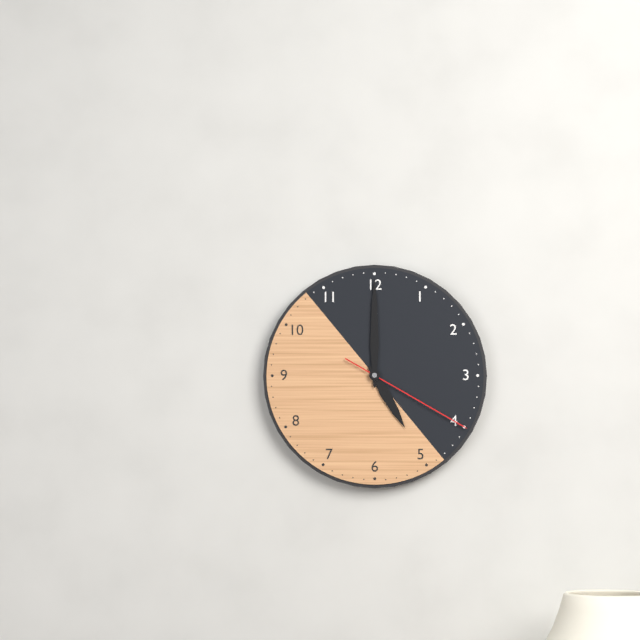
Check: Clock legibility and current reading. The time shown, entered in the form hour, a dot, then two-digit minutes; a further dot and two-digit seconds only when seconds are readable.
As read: 5.00.20
